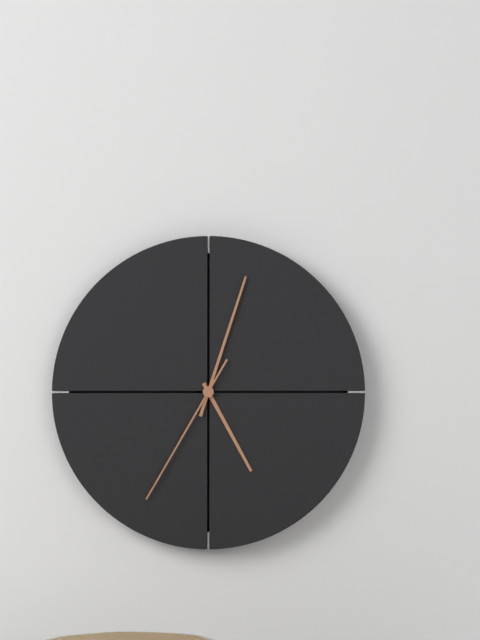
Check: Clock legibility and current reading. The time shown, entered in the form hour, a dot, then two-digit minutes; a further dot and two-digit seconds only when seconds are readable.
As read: 5.03.35
